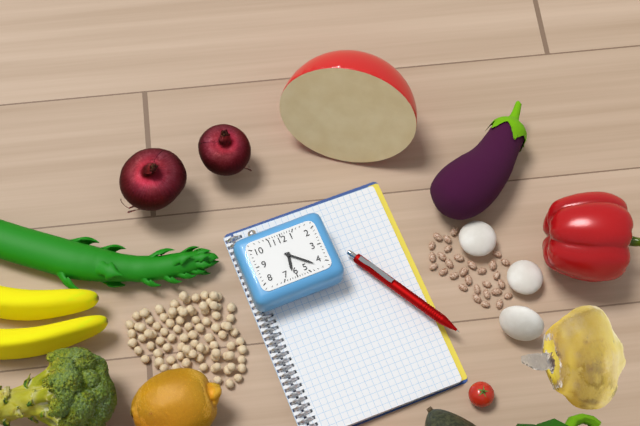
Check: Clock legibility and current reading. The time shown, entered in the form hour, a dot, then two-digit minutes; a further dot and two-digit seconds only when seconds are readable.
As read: 6.22
